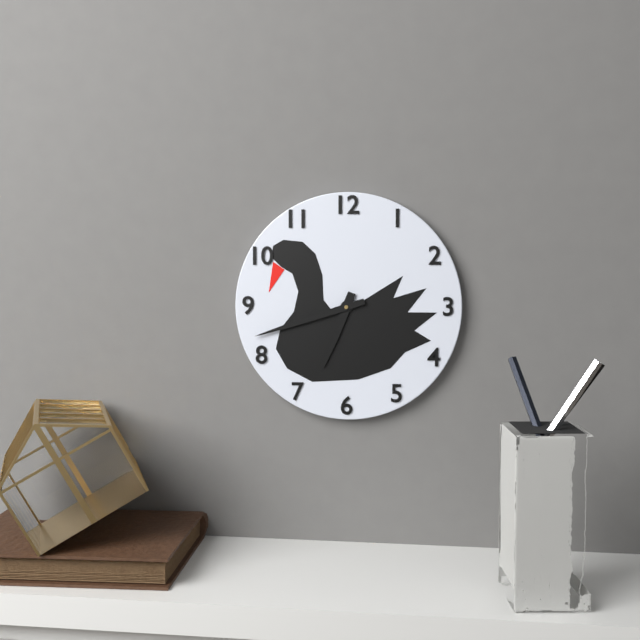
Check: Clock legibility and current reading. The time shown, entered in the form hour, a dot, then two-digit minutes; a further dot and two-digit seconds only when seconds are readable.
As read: 6.42
